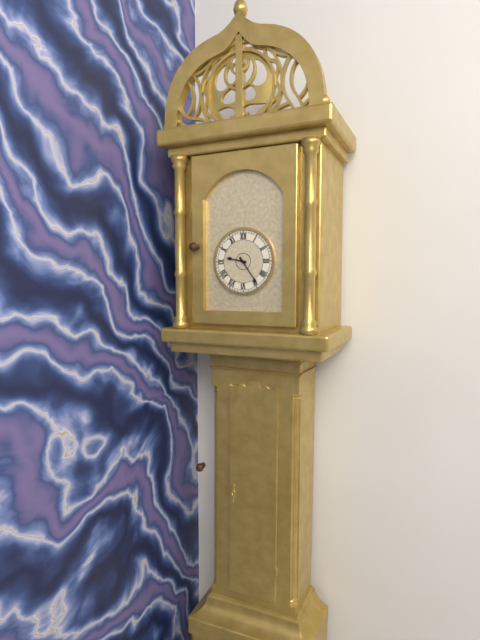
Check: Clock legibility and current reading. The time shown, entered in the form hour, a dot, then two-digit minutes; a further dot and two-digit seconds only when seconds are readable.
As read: 9.24
